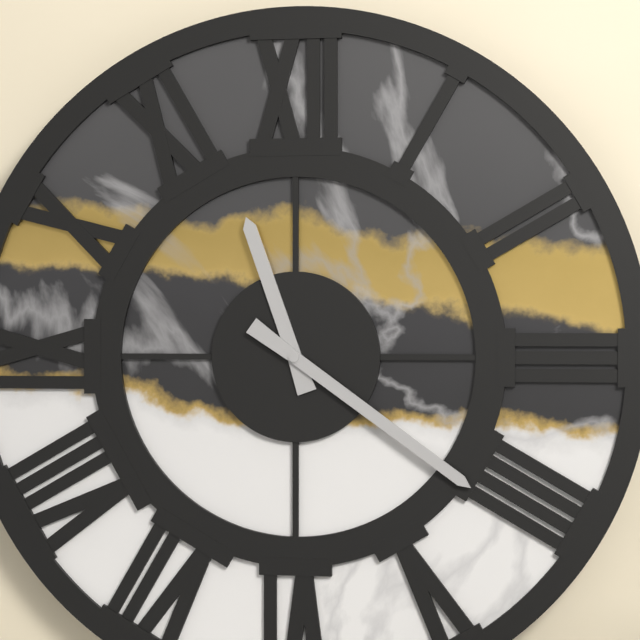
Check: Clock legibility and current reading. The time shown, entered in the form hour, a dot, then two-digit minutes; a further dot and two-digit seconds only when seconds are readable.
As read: 11.21
